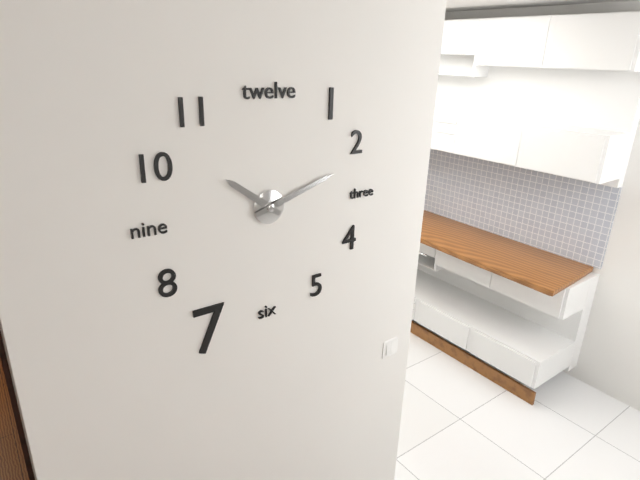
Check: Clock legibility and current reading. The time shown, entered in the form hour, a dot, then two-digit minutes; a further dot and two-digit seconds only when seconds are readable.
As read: 10.12
